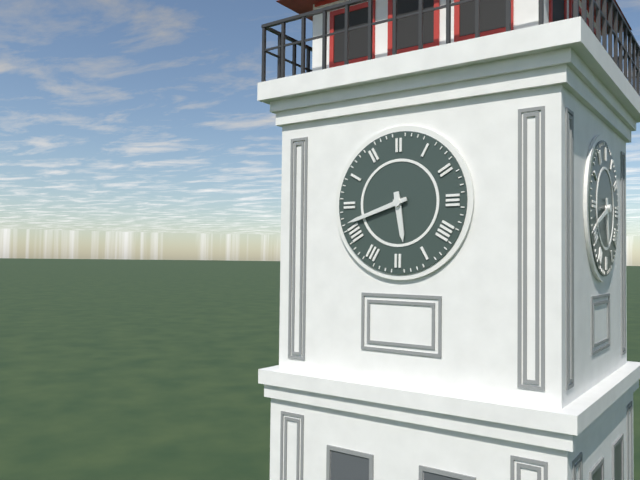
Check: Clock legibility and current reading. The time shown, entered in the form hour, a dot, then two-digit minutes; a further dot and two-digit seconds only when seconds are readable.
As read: 5.42
